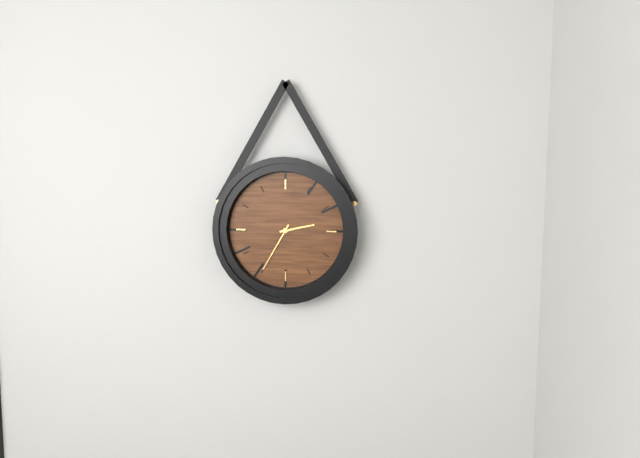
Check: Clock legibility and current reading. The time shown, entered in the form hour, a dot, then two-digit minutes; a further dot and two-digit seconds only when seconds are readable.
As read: 2.35
